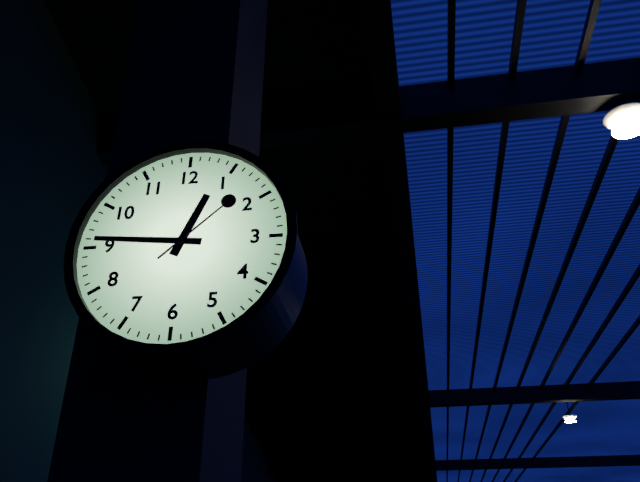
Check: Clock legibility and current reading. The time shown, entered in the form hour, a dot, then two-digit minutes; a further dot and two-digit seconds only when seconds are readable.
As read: 12.46.08
